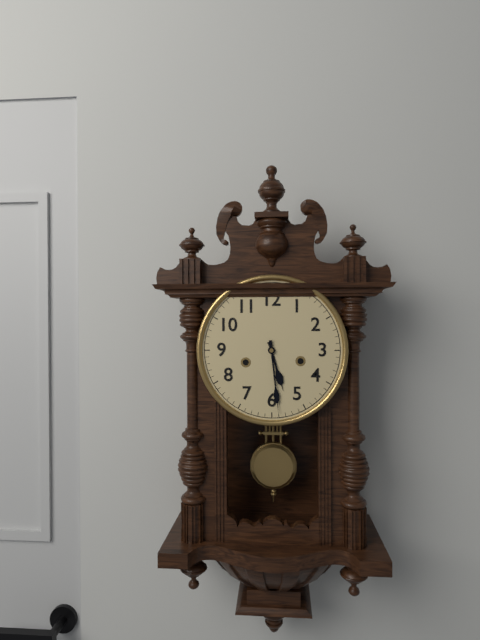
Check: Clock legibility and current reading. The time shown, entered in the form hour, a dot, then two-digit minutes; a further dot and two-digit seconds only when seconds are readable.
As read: 5.29
